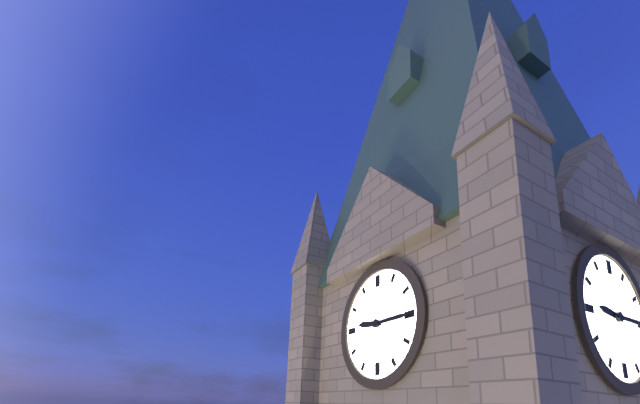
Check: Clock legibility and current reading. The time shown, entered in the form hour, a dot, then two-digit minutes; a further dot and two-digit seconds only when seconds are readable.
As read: 9.15
